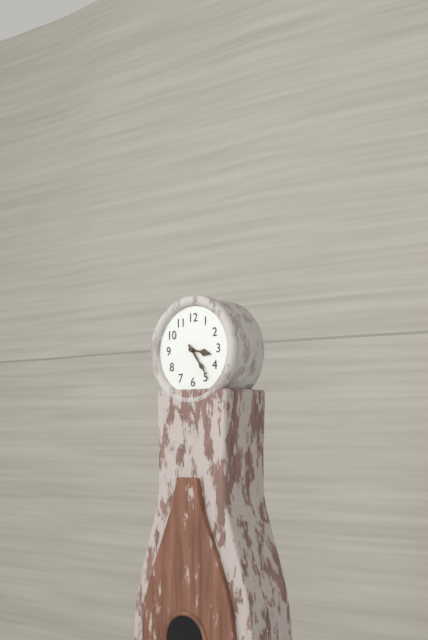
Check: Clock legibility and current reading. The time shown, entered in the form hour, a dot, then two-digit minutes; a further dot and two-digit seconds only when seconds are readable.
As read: 3.24
